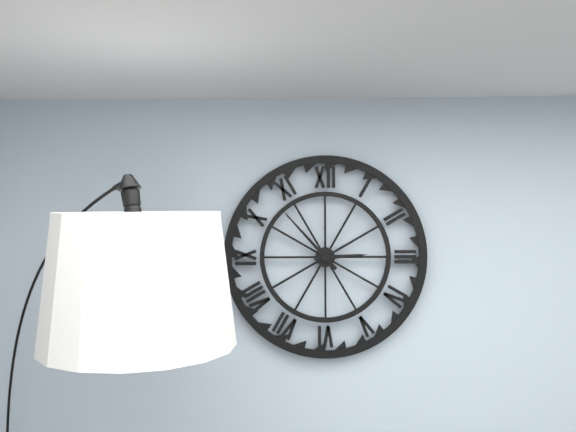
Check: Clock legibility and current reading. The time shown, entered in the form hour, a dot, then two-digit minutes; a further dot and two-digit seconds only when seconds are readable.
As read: 2.53
